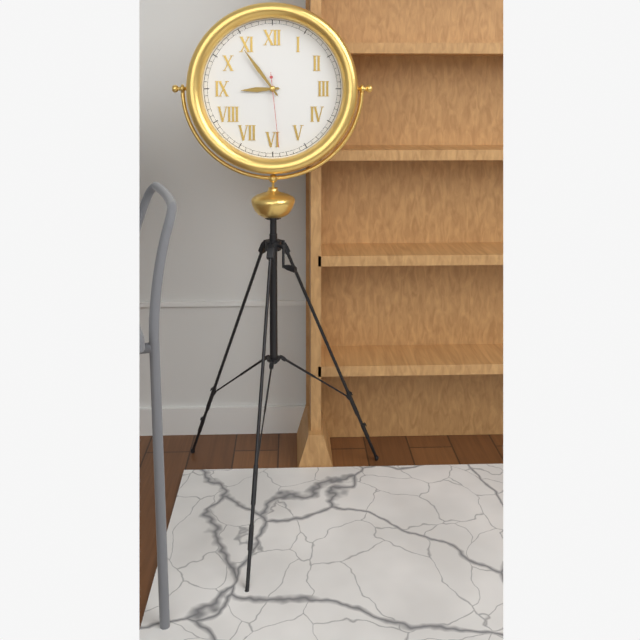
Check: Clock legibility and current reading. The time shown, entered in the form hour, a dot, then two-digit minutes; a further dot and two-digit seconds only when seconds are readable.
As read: 8.54.29
